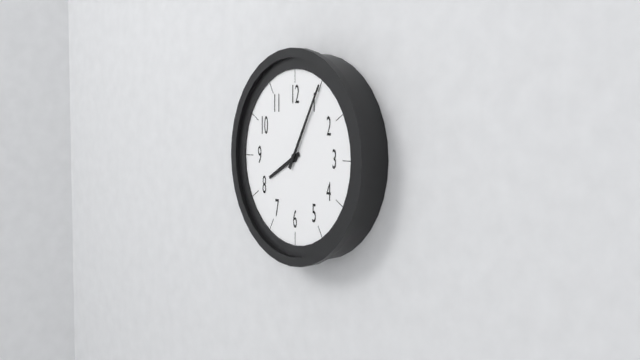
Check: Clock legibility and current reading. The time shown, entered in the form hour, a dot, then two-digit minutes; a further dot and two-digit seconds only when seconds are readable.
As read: 8.05
